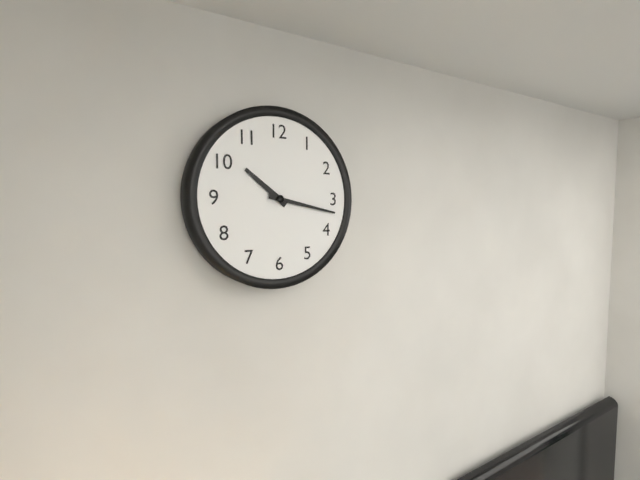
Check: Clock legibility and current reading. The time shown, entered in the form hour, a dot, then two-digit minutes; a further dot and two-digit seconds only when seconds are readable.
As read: 10.17
